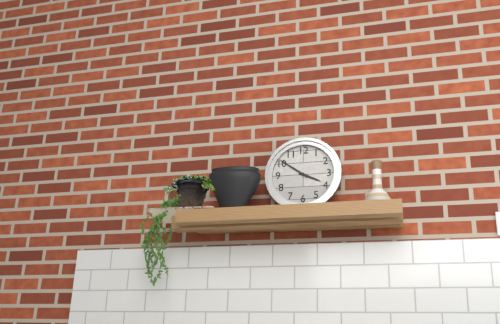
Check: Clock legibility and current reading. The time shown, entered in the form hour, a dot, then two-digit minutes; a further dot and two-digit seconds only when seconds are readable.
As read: 3.51
